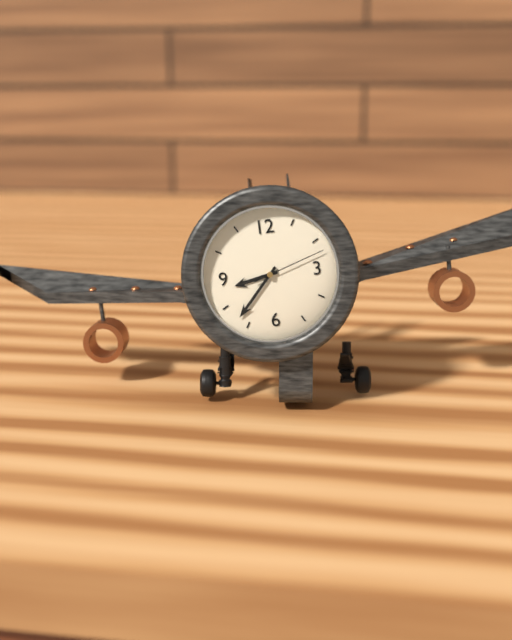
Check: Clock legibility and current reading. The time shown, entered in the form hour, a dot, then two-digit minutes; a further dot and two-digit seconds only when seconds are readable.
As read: 8.37.12
